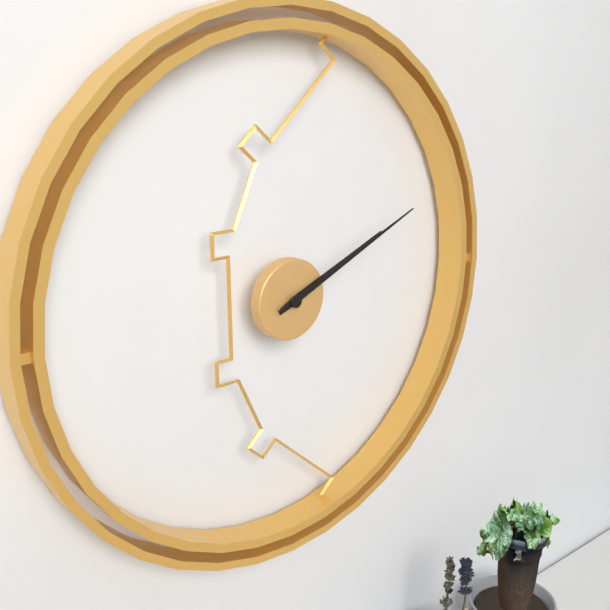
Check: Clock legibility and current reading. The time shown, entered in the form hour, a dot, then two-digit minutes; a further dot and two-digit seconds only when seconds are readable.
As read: 2.11
